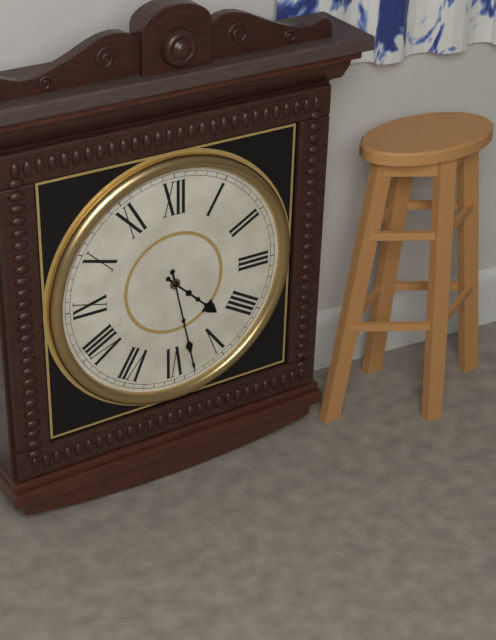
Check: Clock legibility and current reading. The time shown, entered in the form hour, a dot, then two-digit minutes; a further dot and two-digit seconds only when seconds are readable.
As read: 4.28
